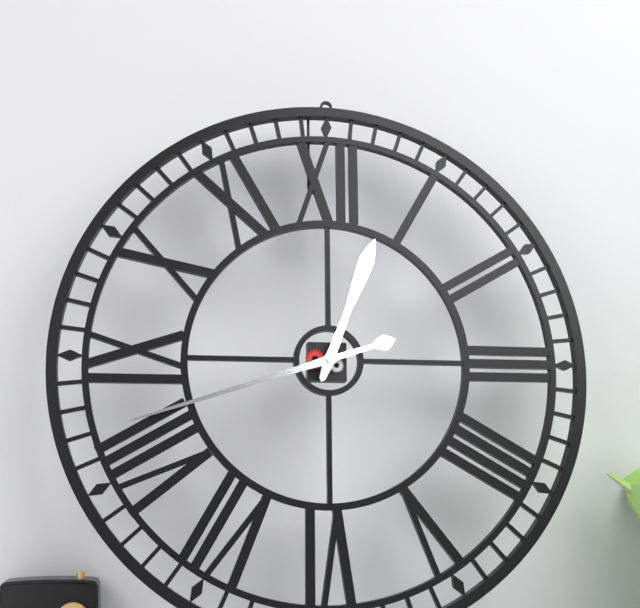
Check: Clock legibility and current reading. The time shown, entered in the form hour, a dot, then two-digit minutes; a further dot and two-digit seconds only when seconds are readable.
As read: 12.42
